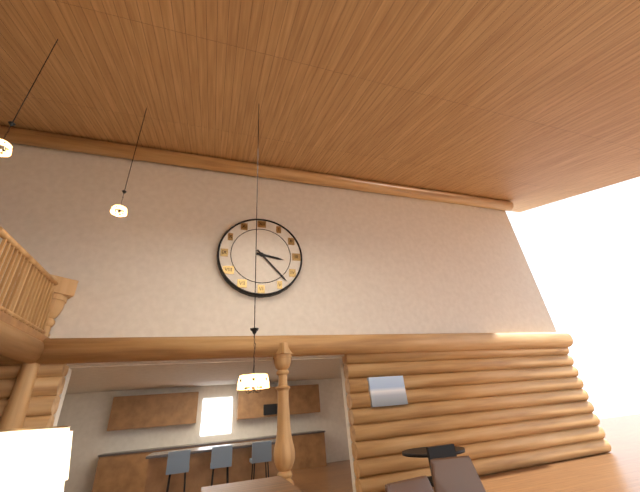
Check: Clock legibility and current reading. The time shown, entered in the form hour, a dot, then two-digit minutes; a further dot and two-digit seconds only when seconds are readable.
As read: 3.23
